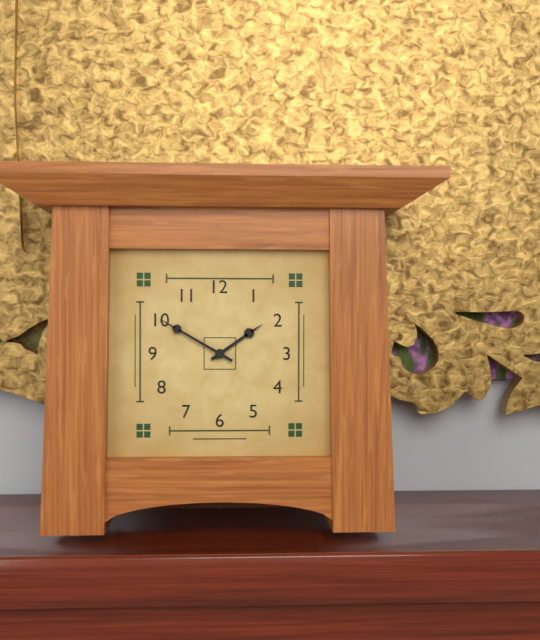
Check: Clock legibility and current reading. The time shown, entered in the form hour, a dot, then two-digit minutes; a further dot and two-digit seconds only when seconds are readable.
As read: 1.50
